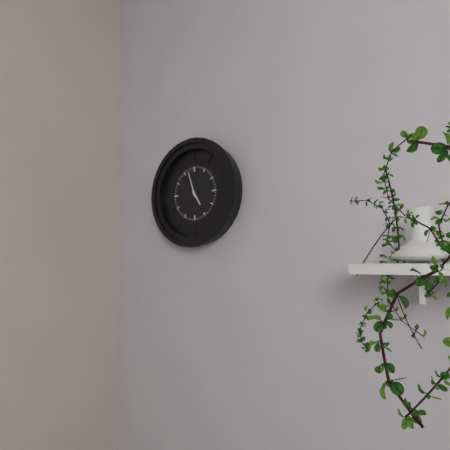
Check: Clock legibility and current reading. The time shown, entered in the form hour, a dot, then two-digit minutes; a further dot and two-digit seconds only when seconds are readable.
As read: 4.57
